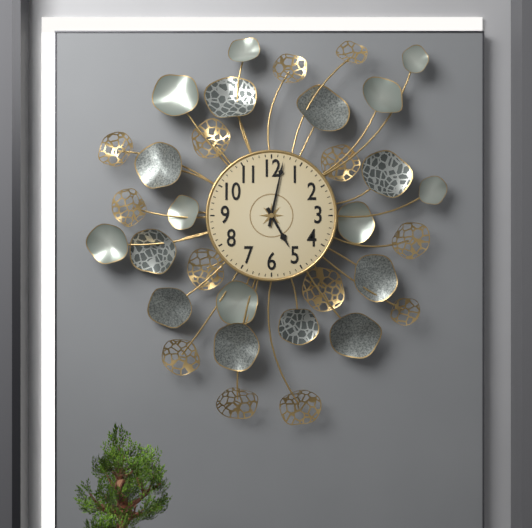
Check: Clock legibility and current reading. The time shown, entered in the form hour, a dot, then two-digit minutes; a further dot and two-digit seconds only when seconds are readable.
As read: 5.02
